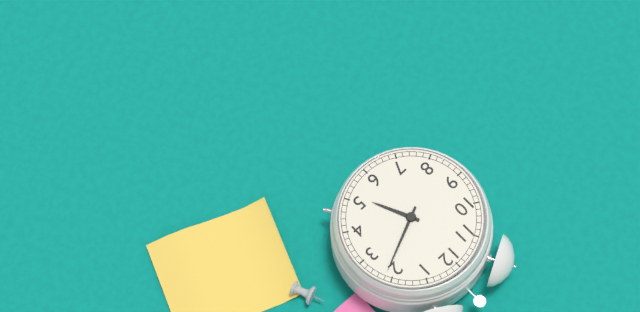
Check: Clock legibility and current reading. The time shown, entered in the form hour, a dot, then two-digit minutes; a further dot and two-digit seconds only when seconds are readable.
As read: 5.11
